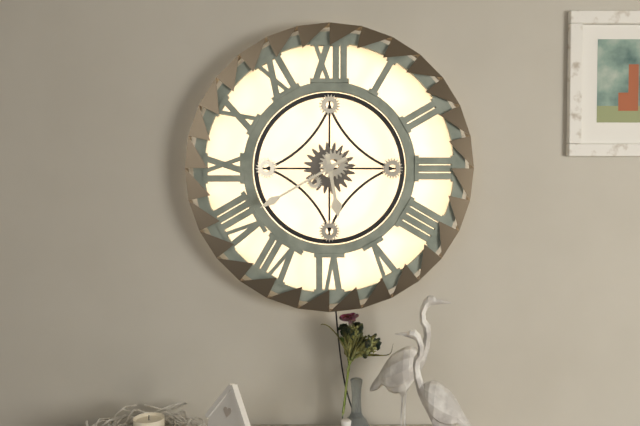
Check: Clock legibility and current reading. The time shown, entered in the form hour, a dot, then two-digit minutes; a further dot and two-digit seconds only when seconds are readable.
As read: 5.40
